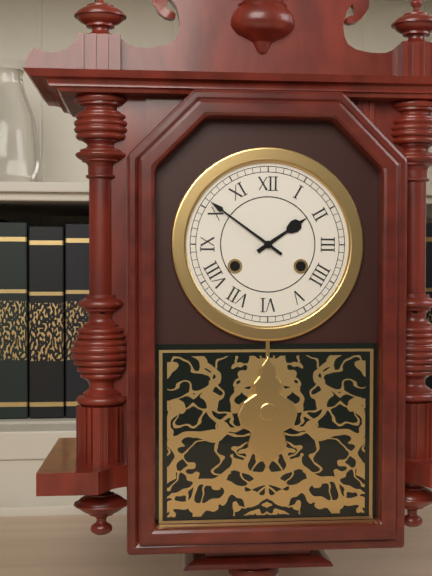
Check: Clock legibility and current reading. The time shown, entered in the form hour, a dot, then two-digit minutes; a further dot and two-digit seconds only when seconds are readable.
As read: 1.51
